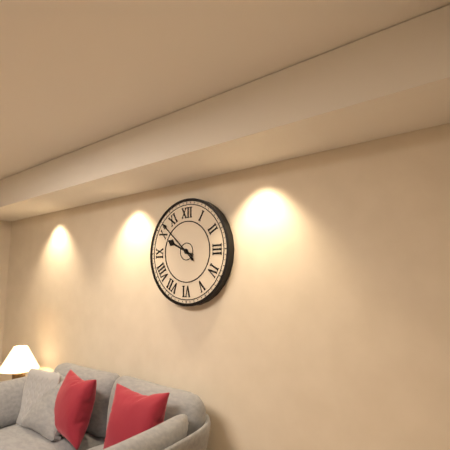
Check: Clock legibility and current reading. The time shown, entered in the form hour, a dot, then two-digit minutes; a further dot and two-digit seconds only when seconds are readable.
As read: 9.52
